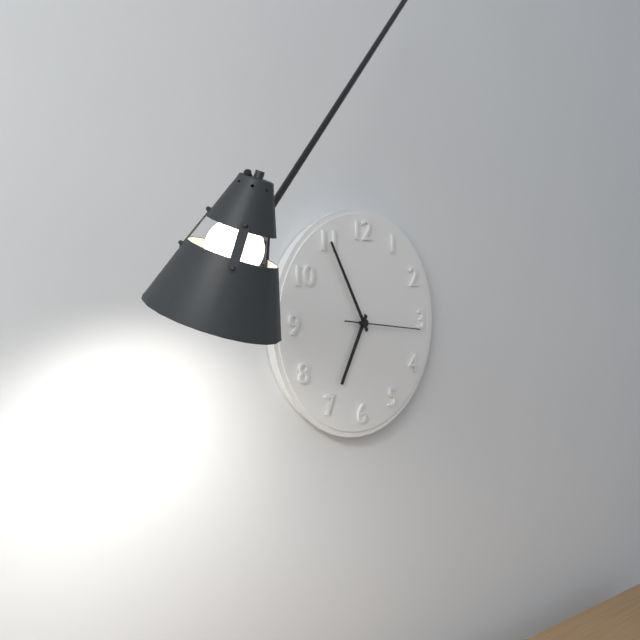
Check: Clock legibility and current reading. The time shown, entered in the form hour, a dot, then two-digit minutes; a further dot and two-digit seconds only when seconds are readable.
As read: 6.55.16
